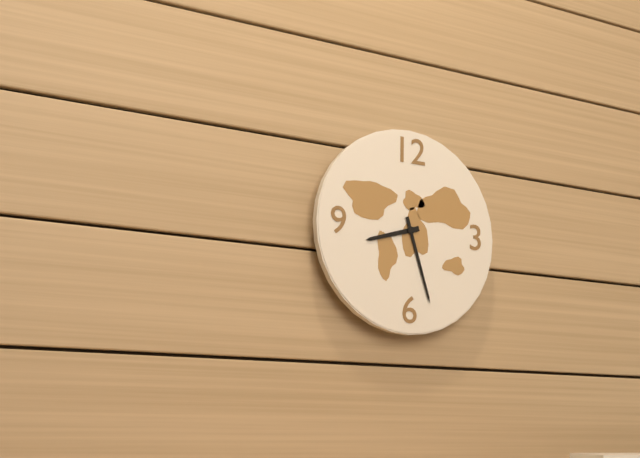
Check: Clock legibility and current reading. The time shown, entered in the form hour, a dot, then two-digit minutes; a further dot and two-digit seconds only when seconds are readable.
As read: 8.27
